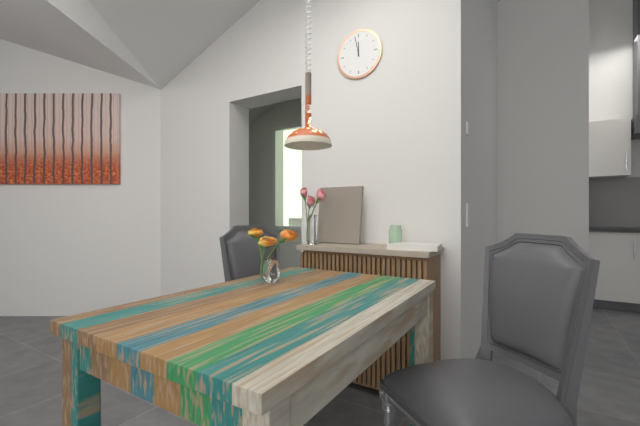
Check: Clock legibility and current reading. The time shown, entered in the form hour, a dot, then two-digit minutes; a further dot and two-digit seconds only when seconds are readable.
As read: 11.58
